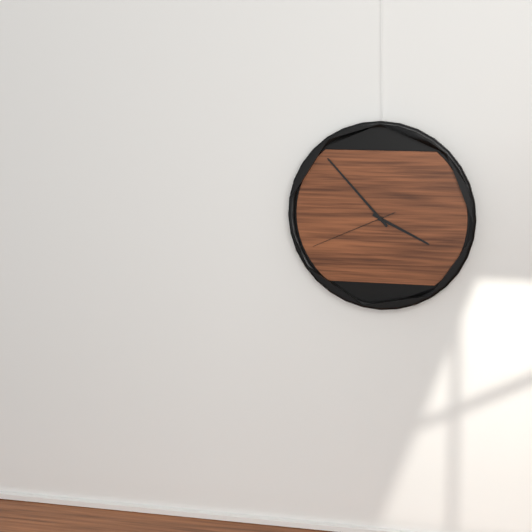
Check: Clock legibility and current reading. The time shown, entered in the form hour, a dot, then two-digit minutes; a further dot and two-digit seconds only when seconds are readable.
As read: 3.53.41
